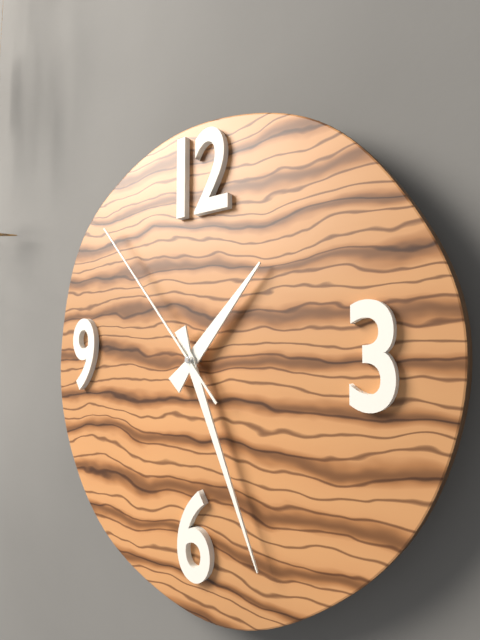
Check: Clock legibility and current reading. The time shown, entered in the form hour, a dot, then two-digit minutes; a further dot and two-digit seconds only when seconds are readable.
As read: 1.26.53
